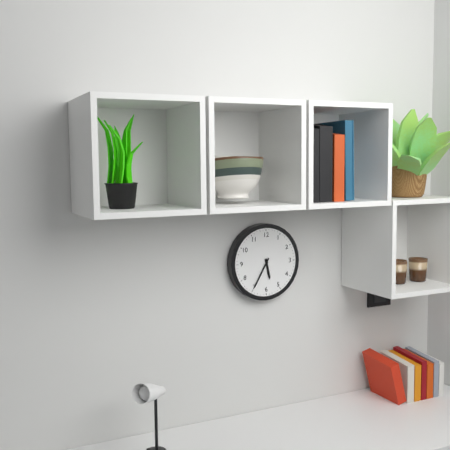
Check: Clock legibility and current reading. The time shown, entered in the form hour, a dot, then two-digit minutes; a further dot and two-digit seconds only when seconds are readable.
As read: 5.35
